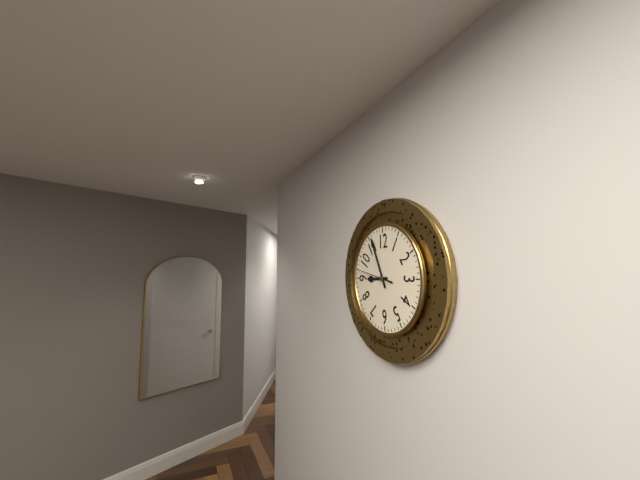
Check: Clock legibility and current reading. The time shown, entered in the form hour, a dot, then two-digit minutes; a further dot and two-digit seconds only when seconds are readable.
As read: 8.56
